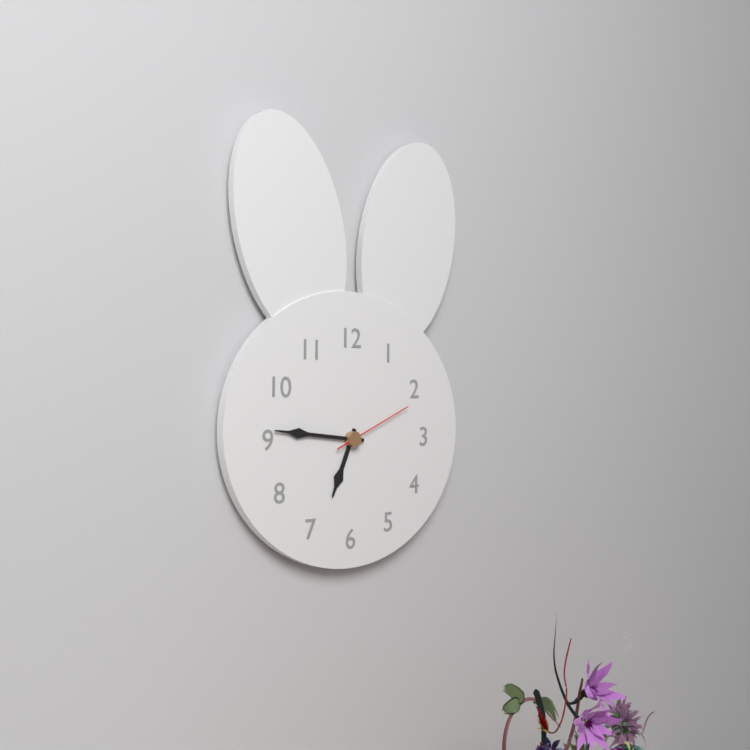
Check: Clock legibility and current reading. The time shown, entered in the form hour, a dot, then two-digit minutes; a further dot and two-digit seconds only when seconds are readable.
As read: 6.46.11
